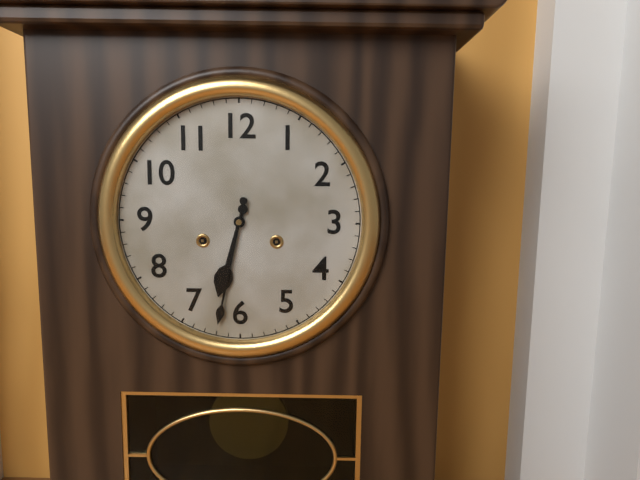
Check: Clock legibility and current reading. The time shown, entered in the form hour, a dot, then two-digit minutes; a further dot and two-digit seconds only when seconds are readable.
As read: 6.32
